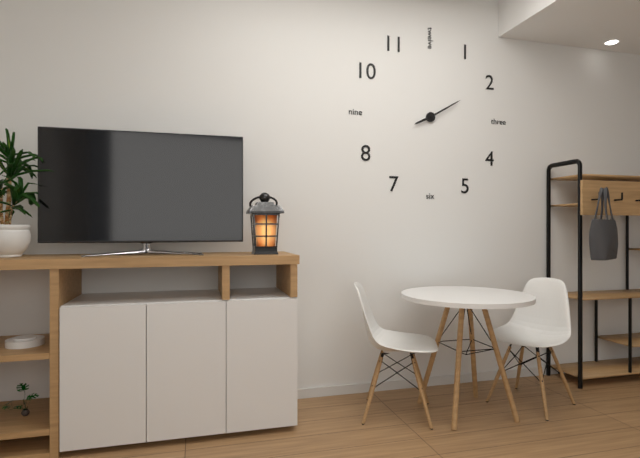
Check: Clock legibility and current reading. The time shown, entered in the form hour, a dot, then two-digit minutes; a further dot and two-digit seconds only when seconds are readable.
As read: 8.10
